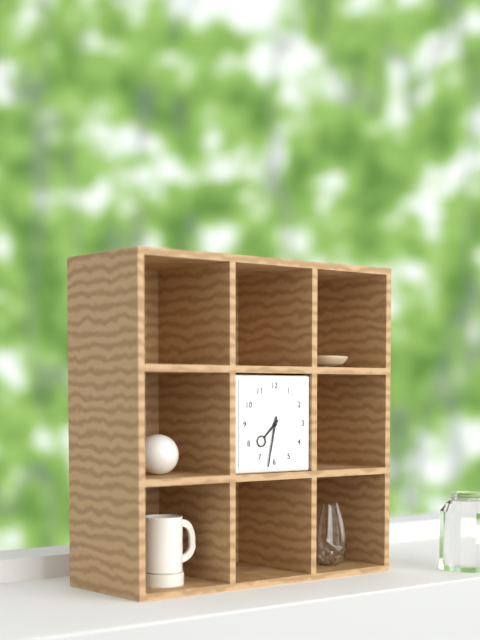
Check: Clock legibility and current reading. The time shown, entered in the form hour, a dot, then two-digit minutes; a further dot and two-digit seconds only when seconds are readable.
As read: 7.32
